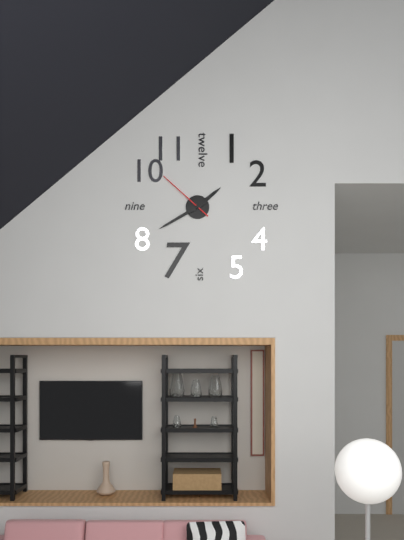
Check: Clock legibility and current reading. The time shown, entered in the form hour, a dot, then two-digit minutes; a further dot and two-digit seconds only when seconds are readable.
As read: 1.40.52
